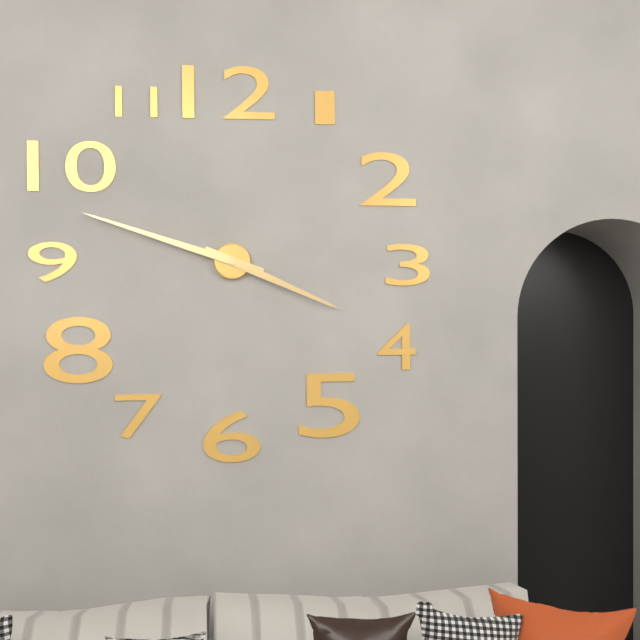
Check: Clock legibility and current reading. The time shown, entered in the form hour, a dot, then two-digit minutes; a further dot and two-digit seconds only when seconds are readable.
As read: 3.48
